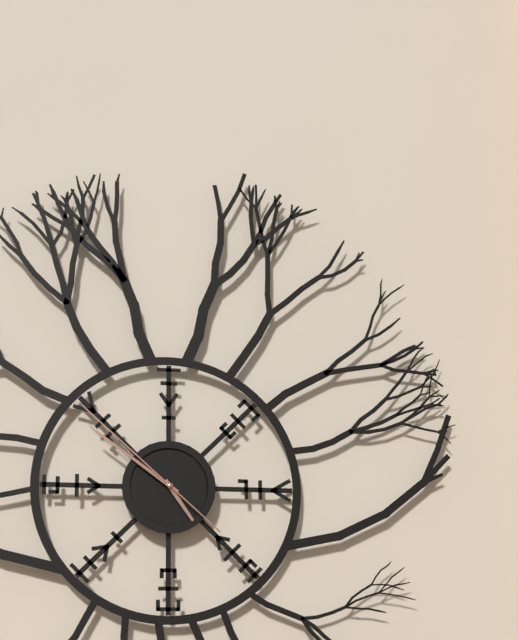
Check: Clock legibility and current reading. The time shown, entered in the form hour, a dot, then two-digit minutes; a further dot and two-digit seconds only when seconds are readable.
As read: 4.51.52
